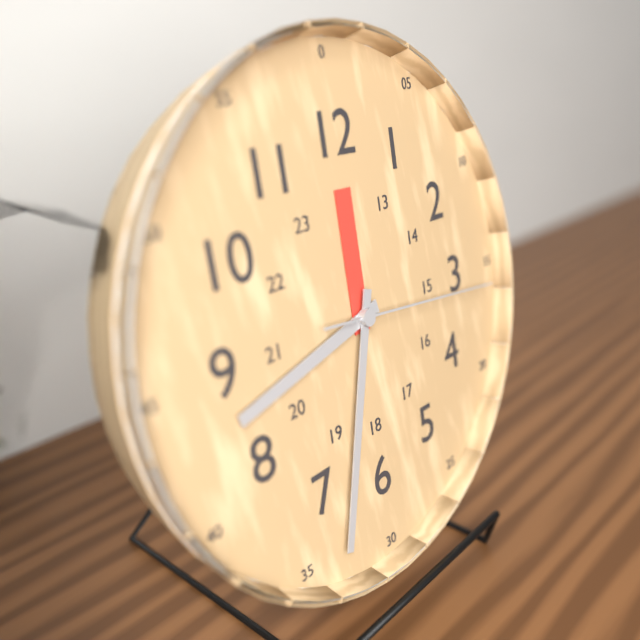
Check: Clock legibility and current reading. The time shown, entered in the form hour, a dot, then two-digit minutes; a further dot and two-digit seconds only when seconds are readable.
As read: 8.33.16
